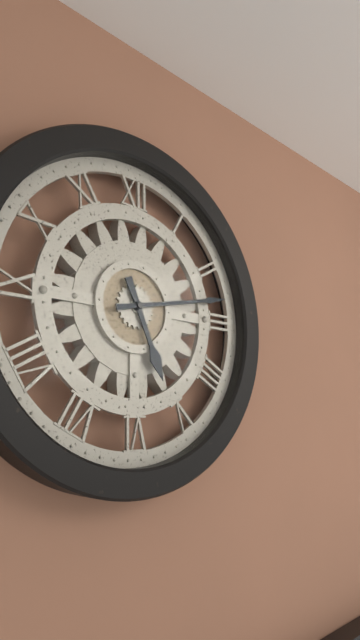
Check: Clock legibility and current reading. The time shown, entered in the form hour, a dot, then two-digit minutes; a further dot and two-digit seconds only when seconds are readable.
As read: 5.13
